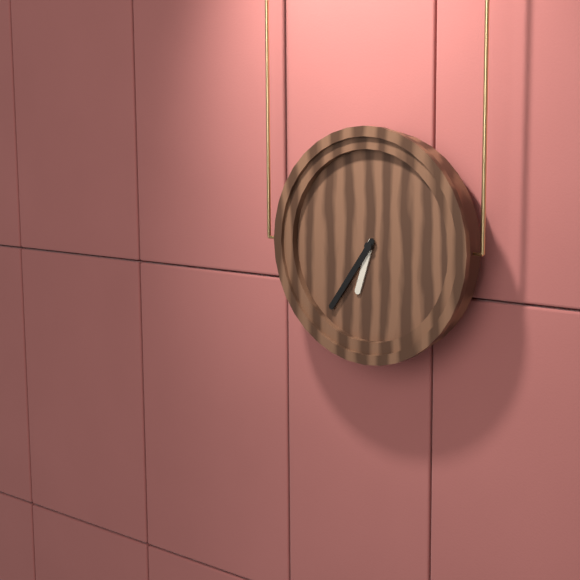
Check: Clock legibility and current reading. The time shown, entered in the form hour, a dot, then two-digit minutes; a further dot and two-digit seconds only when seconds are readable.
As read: 6.36
